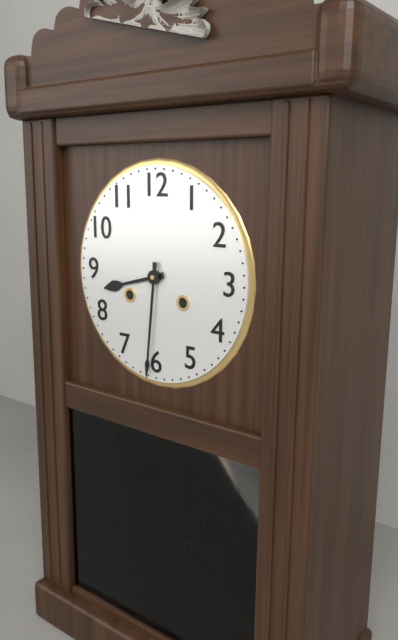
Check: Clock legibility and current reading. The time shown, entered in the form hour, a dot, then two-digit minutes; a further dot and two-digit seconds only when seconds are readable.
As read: 8.31
